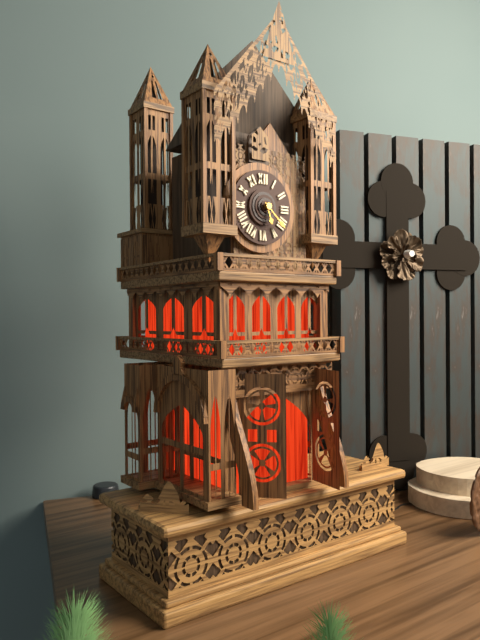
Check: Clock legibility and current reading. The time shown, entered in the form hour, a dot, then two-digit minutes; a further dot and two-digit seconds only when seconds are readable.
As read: 5.22
